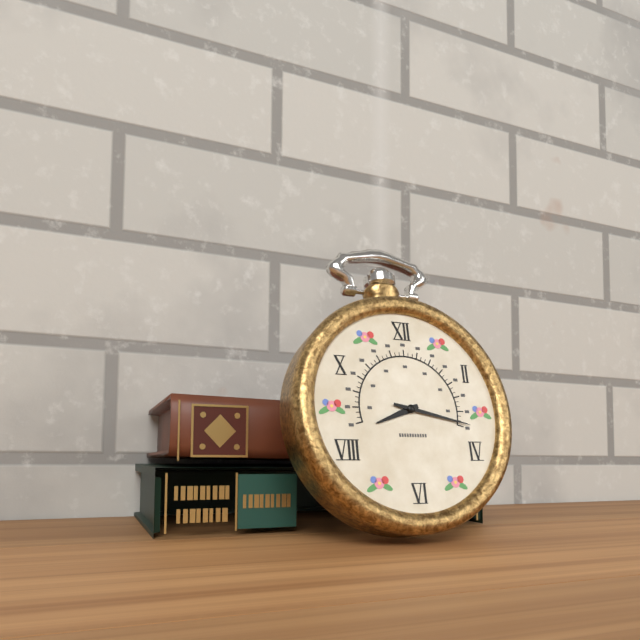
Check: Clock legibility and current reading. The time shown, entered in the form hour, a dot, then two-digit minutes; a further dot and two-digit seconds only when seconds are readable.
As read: 8.17
